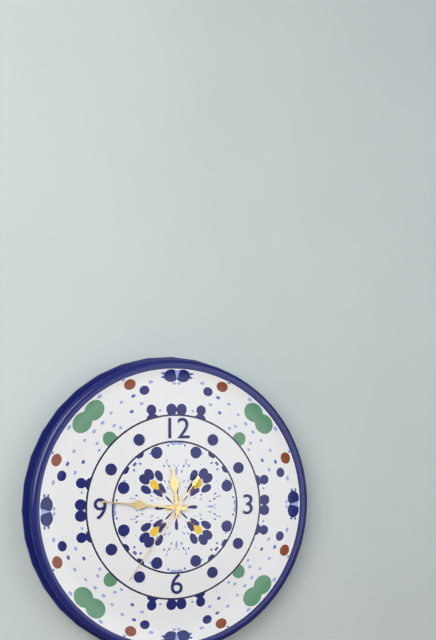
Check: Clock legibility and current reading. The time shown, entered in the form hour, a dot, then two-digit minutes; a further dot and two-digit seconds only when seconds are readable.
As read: 11.46.36
